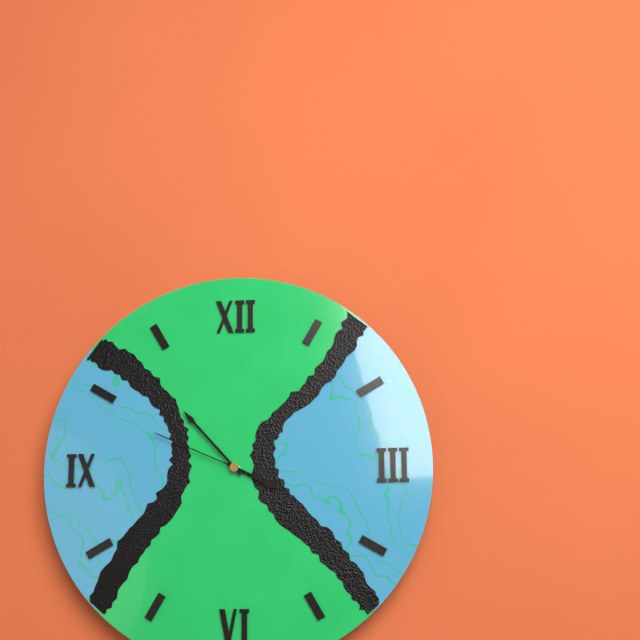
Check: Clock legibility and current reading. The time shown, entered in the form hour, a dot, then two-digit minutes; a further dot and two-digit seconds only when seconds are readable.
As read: 3.53.49
